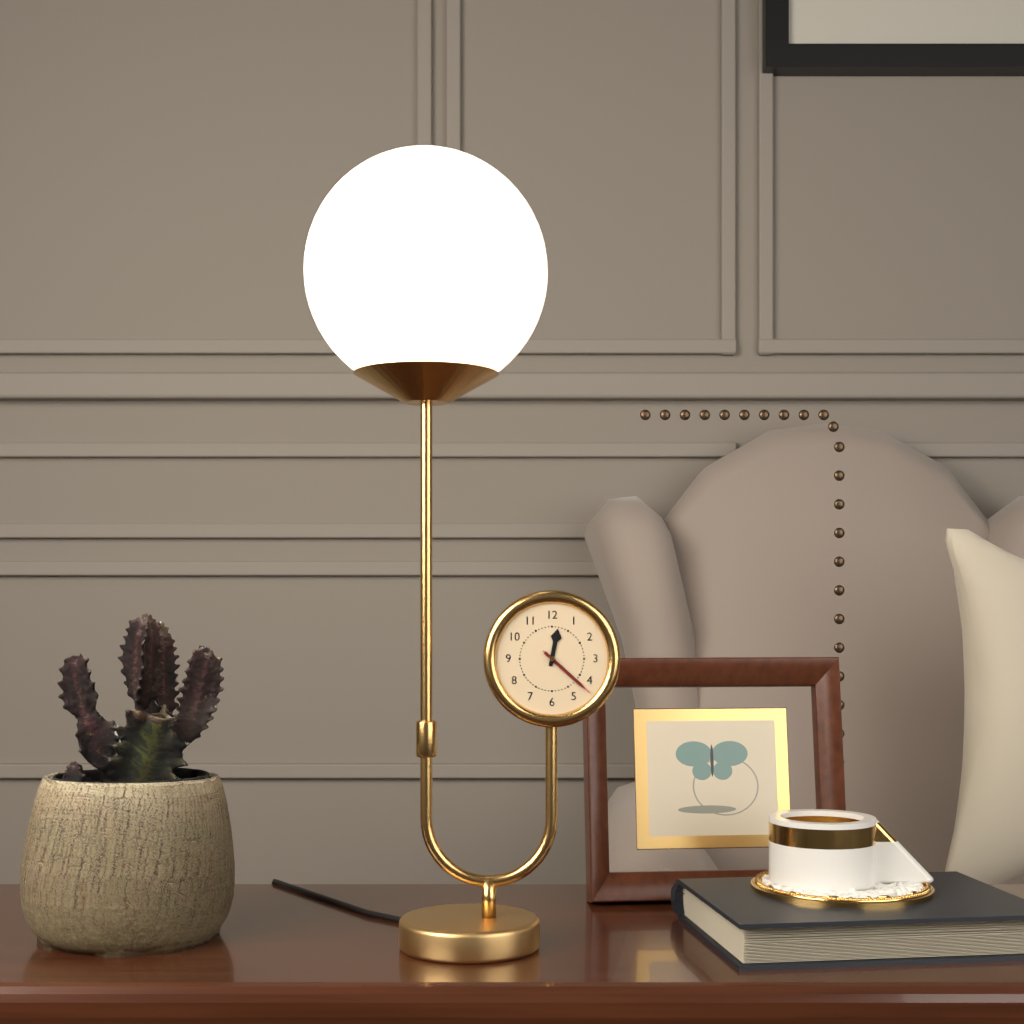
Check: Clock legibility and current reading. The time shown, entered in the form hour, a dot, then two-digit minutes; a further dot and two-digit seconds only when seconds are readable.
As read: 12.22.22
